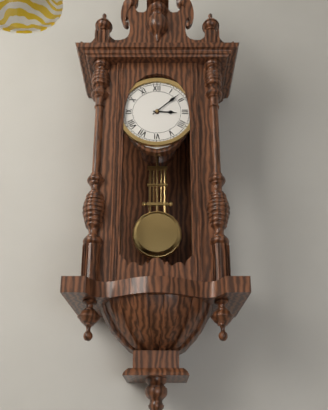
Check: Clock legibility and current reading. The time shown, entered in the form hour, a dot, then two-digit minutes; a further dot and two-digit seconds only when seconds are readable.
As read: 3.08
